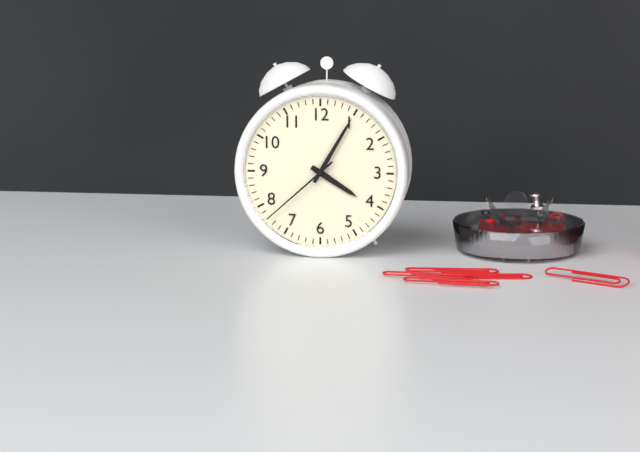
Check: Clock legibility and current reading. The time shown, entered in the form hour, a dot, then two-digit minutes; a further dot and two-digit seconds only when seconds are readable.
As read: 4.05.38
